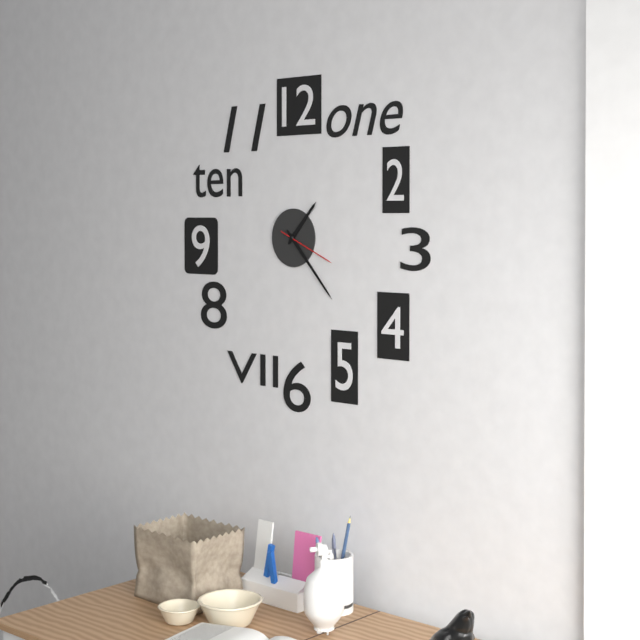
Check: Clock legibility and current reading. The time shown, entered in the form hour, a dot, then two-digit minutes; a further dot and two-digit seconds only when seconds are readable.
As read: 1.23.19
